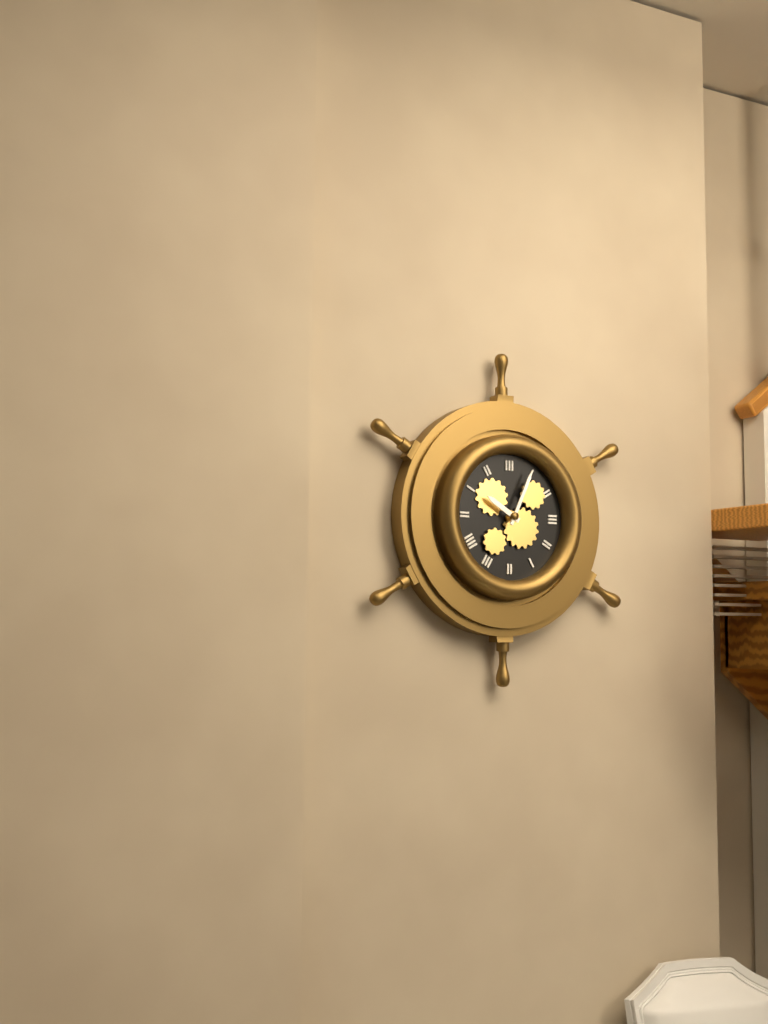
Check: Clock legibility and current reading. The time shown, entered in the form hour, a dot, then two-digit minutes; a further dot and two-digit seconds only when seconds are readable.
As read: 10.04
